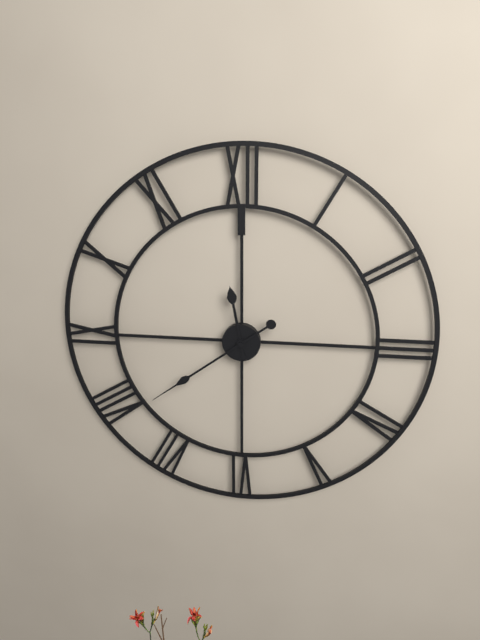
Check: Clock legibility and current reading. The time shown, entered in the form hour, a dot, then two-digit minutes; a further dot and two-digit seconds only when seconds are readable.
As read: 11.39
